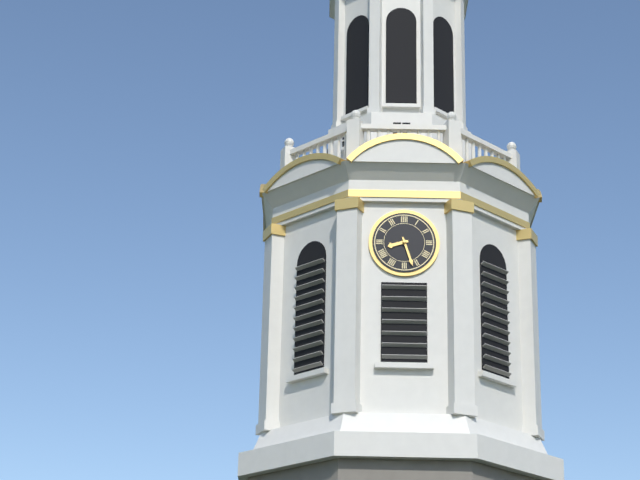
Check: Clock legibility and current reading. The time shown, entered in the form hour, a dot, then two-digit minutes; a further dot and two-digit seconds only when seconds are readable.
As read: 8.27
